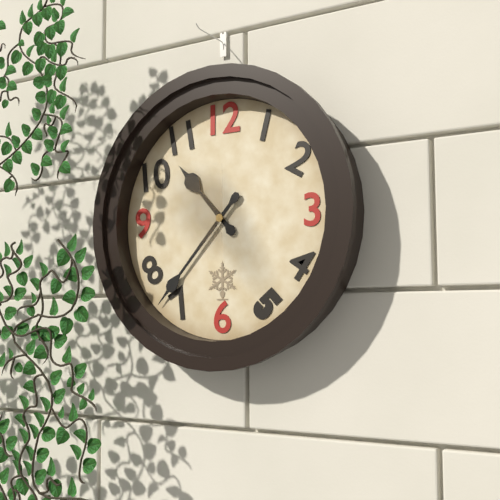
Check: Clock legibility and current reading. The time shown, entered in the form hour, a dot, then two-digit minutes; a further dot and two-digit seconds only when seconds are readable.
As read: 10.37
